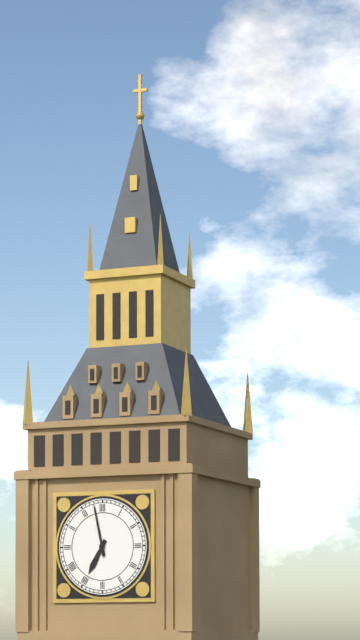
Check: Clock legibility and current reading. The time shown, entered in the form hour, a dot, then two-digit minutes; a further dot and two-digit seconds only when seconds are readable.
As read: 6.58
